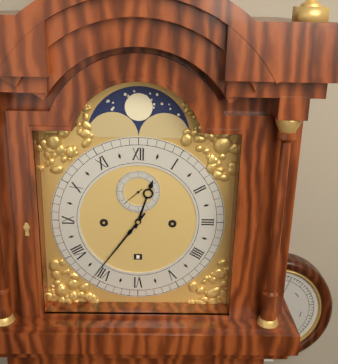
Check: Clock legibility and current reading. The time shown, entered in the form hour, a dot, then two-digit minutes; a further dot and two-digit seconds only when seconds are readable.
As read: 12.36
